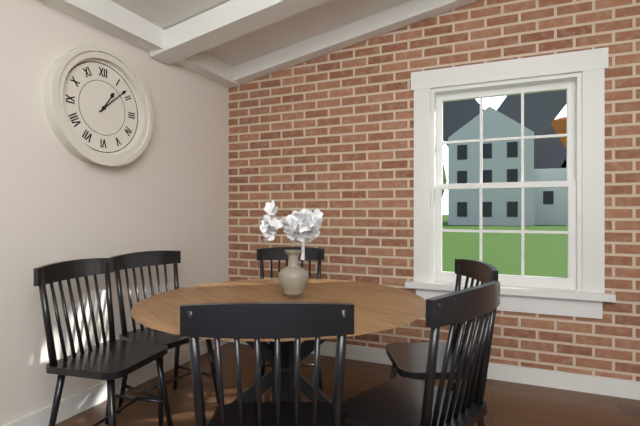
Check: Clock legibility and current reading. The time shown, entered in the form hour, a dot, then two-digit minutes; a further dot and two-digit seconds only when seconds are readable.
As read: 1.08
